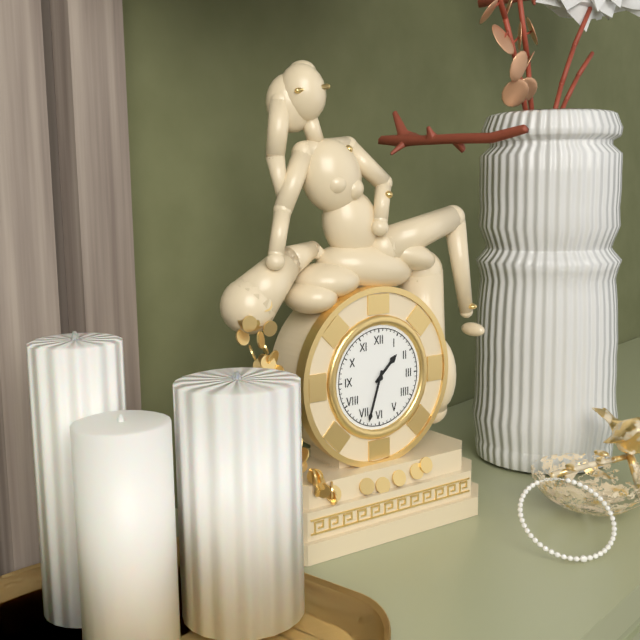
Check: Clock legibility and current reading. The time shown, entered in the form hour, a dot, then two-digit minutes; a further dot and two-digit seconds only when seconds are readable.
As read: 1.33
